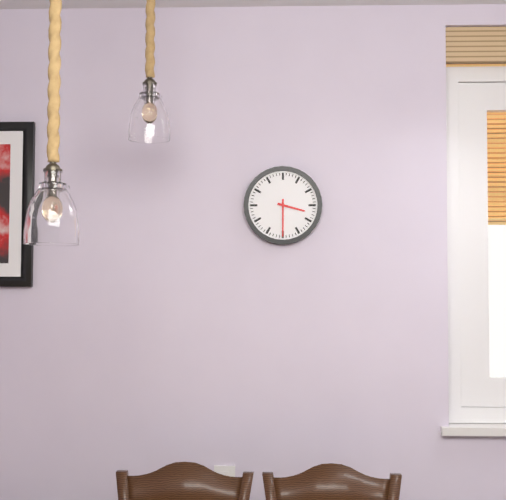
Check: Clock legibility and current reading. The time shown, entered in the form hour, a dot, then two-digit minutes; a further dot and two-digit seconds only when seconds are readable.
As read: 3.30
